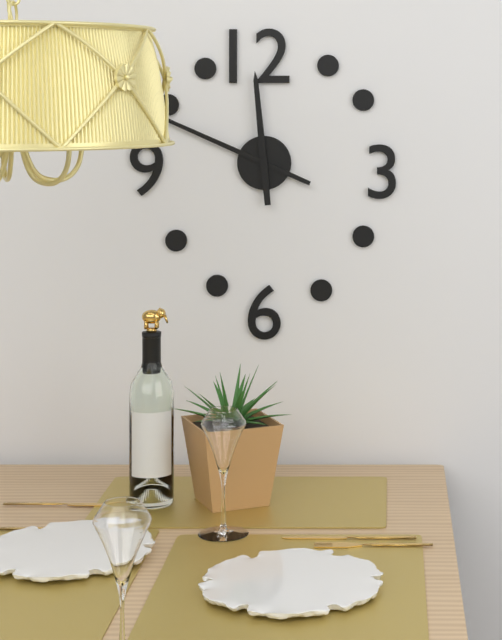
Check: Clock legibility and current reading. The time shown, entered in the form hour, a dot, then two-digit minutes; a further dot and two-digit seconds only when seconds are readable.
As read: 11.49
